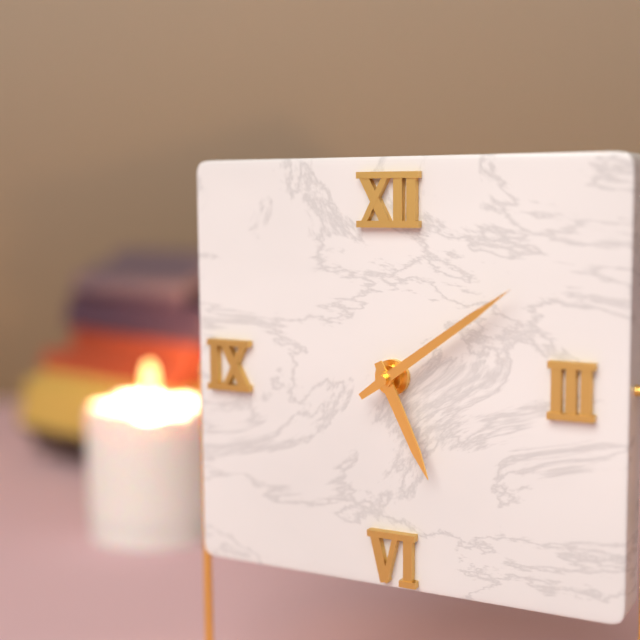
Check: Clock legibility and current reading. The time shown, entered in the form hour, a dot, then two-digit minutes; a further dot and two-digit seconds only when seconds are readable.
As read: 5.09
